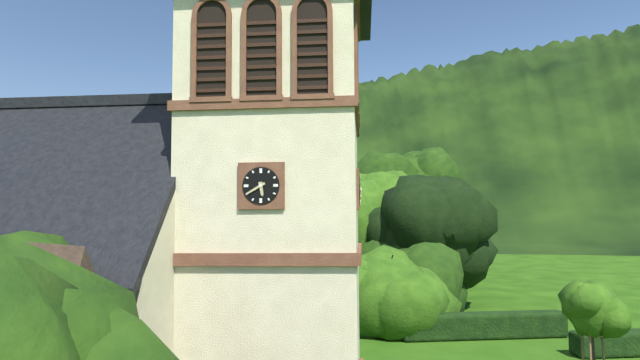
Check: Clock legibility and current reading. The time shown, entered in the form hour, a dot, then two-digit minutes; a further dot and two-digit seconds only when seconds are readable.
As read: 5.40
